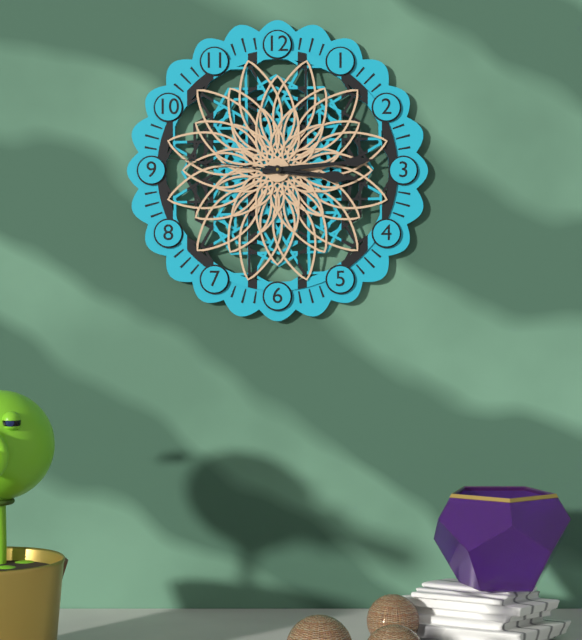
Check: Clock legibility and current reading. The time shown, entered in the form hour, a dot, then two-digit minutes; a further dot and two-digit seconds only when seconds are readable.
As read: 3.14.46
